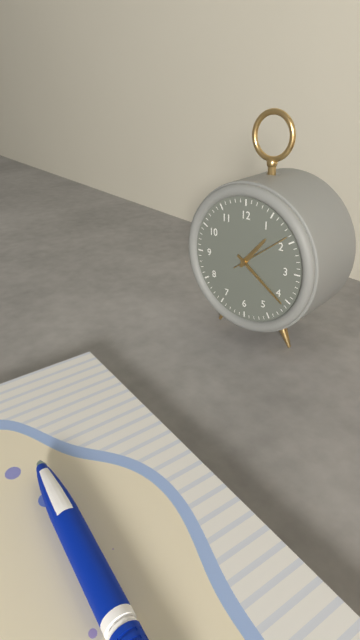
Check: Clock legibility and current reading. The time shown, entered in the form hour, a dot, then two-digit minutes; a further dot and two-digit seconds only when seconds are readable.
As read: 1.21.09
